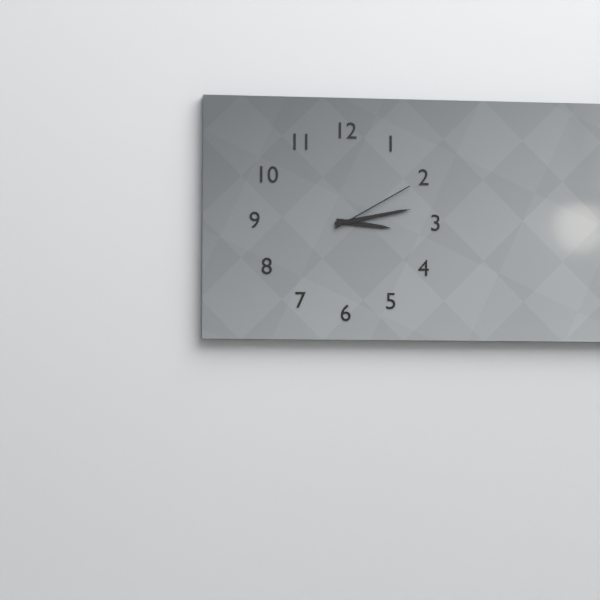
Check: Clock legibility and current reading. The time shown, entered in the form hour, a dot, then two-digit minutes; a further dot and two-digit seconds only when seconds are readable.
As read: 3.13.10
